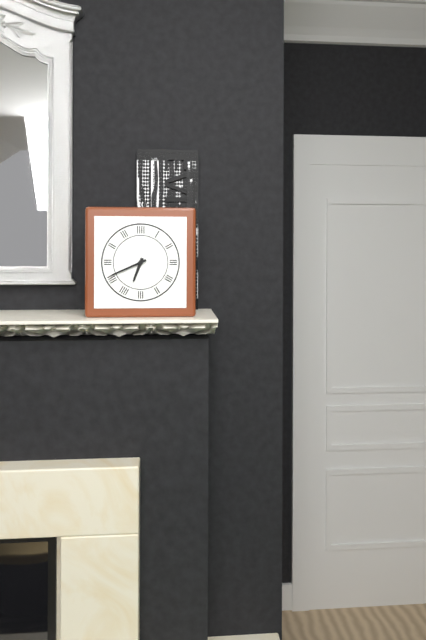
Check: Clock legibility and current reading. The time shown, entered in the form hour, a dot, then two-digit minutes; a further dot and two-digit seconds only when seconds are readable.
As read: 6.41
